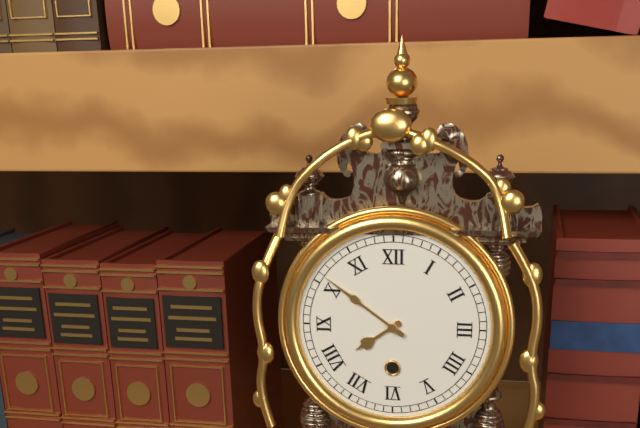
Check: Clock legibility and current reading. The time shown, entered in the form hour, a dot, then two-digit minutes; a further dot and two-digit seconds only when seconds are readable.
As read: 7.51
